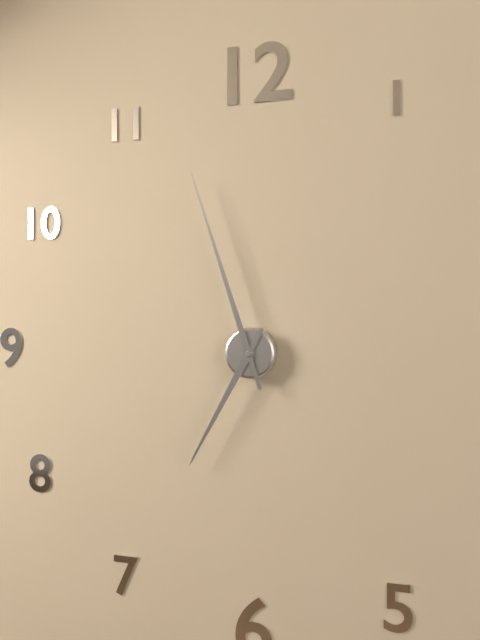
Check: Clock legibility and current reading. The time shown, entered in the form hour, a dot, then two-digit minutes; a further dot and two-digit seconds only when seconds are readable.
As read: 6.57
